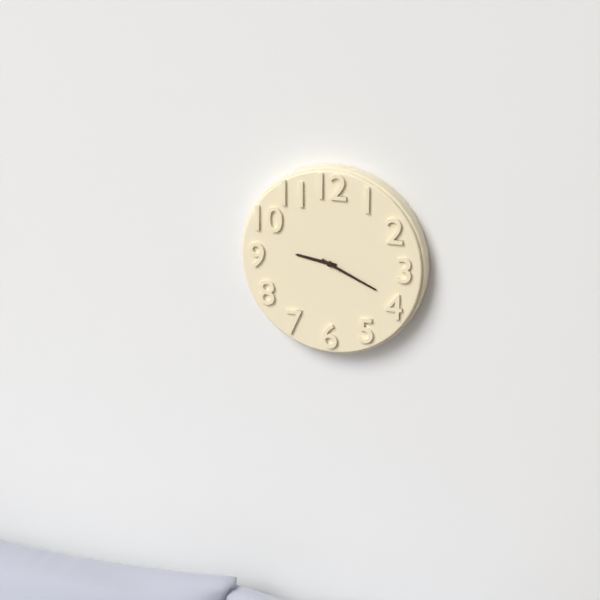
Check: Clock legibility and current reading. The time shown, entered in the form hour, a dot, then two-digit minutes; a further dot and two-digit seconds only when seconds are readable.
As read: 9.19
